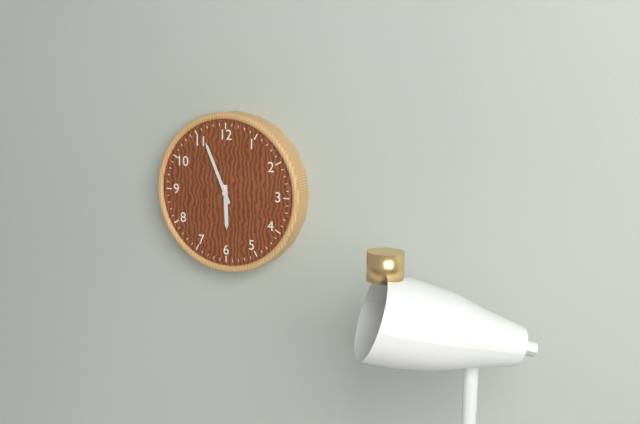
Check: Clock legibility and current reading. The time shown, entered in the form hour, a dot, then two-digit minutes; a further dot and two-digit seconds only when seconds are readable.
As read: 5.56
